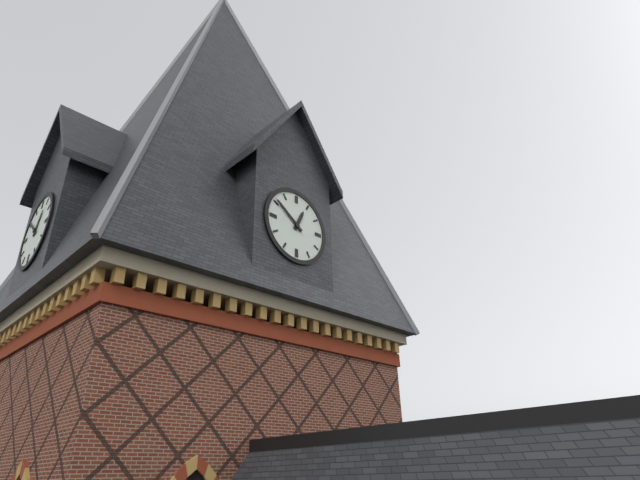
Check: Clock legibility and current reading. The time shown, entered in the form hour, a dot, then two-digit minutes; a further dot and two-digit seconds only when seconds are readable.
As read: 12.51
